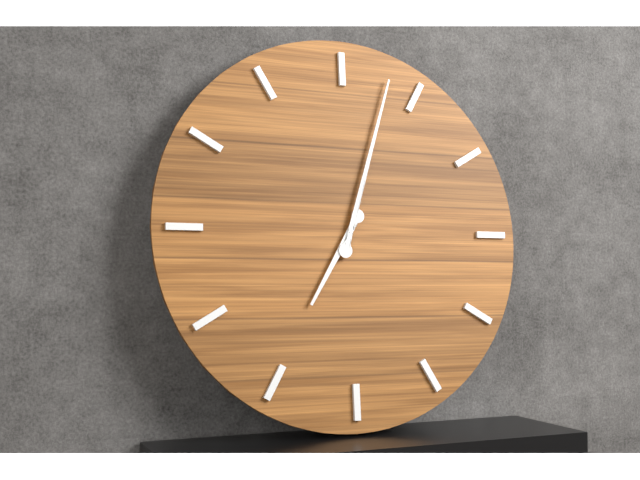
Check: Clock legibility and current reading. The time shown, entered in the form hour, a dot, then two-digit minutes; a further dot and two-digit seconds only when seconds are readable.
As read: 7.03
